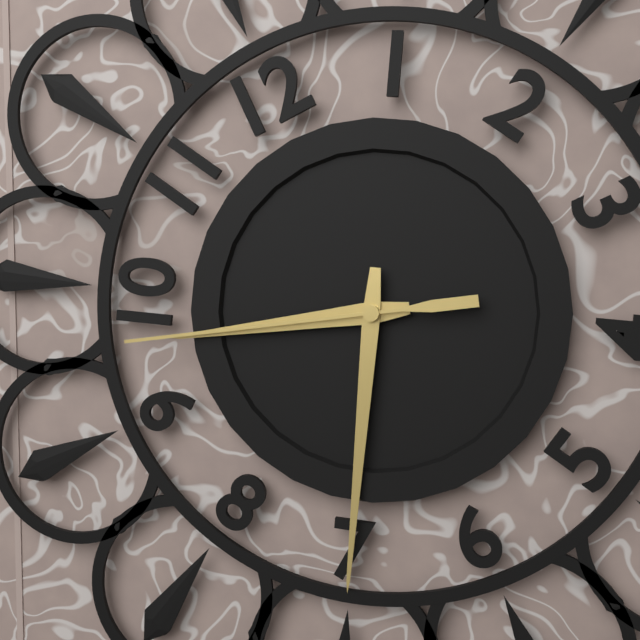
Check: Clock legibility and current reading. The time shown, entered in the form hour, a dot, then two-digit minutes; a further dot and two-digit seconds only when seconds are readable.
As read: 9.35.48
